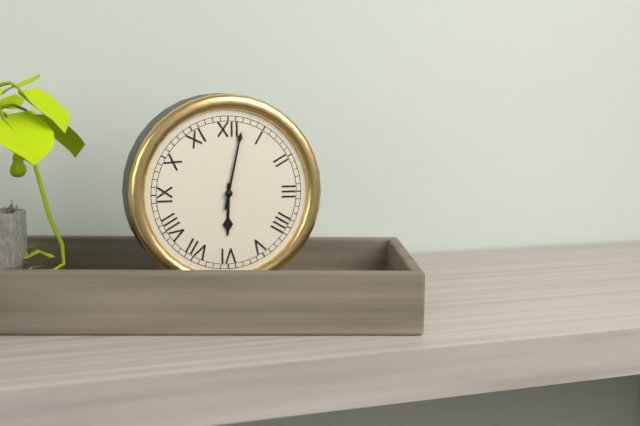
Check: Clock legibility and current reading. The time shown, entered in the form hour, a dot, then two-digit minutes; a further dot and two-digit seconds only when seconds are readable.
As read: 6.02
